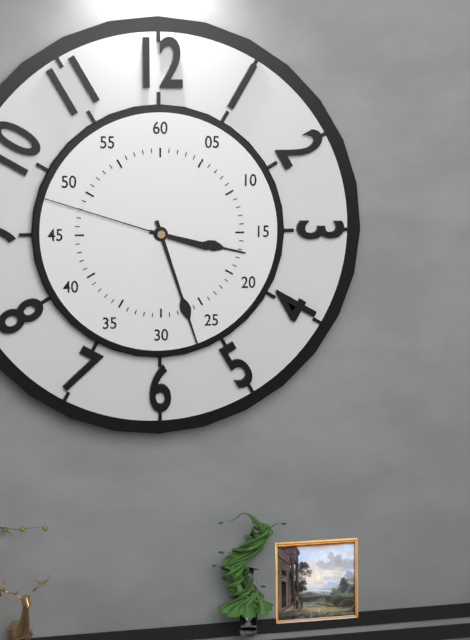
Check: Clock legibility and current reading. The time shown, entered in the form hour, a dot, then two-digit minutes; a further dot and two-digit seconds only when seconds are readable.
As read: 3.27.48
